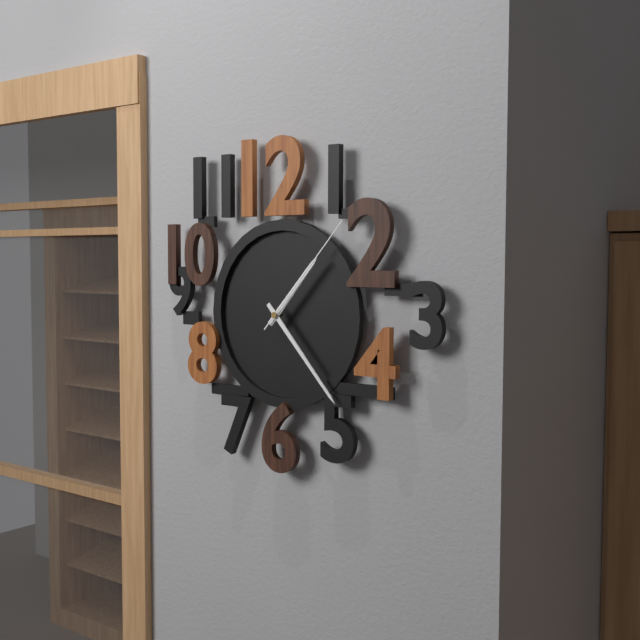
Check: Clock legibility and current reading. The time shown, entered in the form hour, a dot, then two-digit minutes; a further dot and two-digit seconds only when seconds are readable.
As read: 1.23.07
